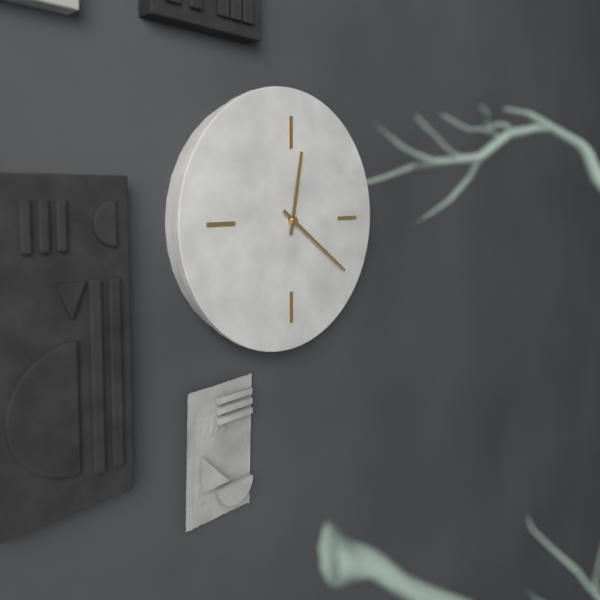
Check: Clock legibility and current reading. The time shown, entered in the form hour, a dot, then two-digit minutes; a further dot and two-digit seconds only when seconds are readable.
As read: 12.21
